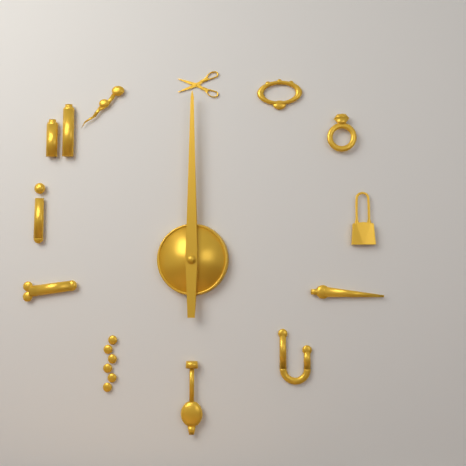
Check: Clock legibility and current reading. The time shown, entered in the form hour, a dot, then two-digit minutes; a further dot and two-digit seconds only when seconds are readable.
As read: 12.00
